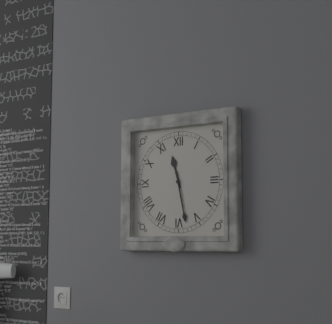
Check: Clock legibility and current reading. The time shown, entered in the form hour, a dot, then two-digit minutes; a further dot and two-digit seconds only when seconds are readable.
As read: 11.28
